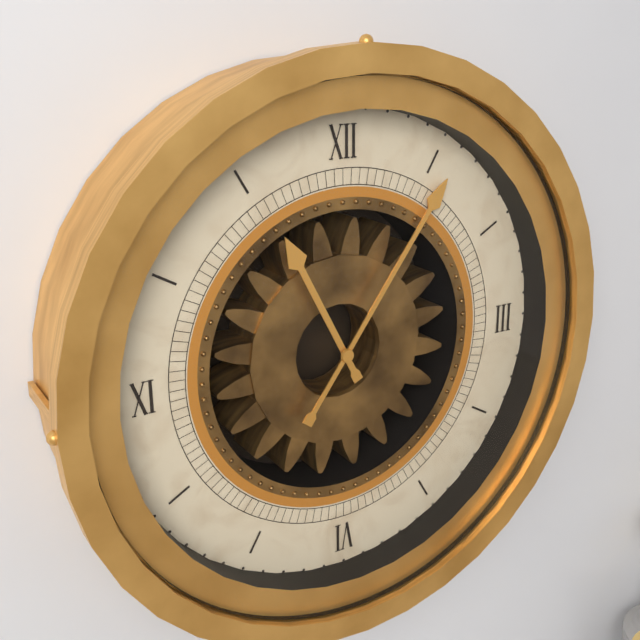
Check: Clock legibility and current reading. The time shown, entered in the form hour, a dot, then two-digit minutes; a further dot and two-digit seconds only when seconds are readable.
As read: 11.06
